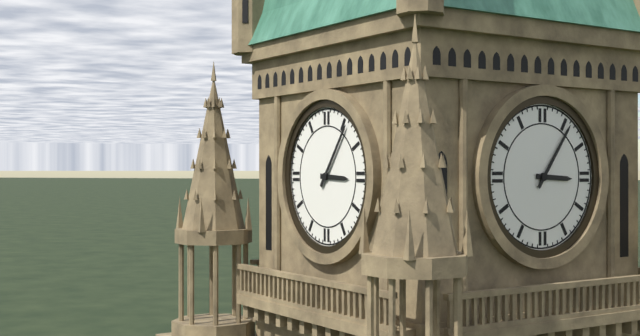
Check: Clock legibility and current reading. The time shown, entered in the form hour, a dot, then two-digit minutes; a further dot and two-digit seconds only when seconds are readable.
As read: 3.06
